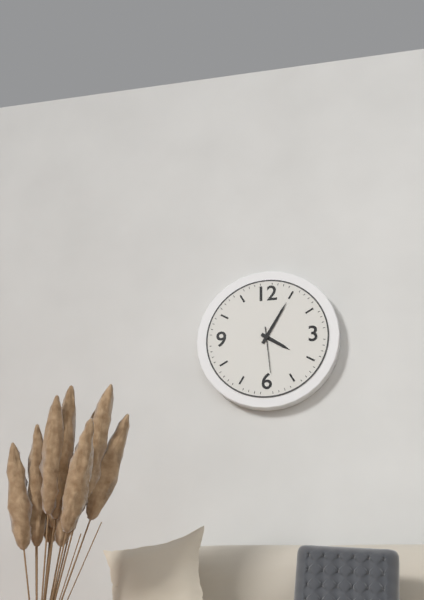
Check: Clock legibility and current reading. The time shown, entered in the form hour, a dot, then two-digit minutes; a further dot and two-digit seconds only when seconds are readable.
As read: 4.05
